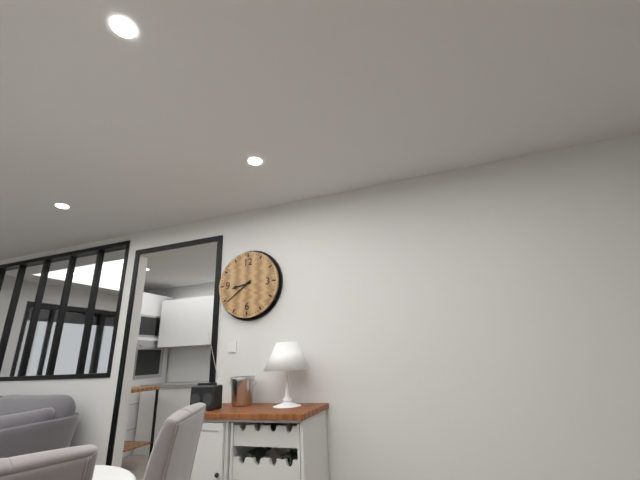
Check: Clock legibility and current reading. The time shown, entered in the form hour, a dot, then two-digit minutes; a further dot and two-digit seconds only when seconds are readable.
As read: 8.39
